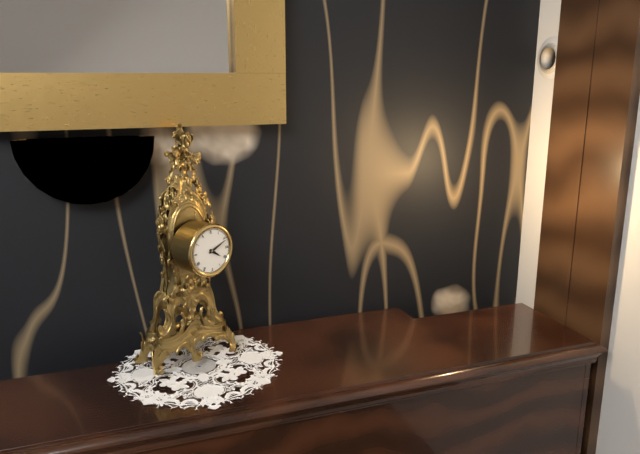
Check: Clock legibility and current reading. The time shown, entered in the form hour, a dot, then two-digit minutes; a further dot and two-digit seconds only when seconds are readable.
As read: 4.11
